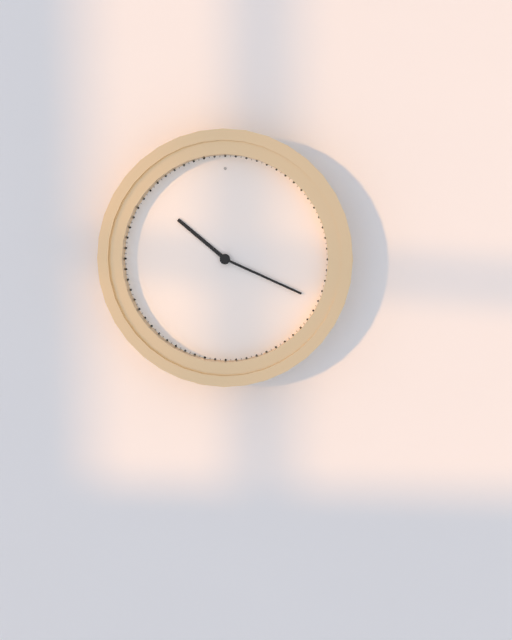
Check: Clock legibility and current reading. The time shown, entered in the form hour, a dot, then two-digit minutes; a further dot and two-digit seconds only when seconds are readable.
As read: 10.19
